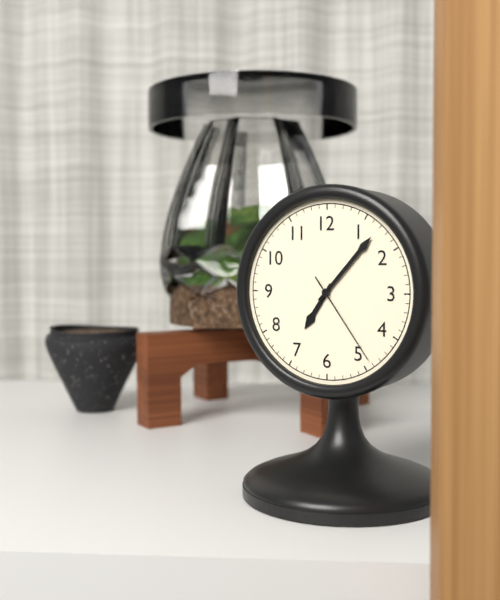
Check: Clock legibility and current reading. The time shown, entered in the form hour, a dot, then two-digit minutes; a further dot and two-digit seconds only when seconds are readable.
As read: 7.07.24
